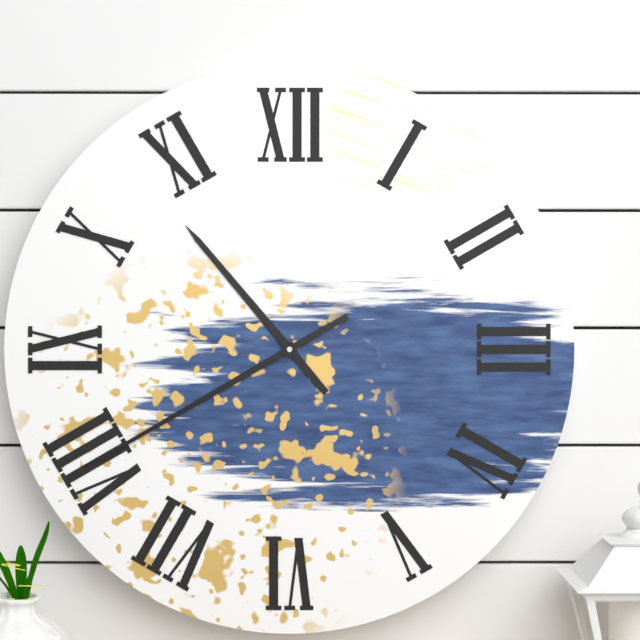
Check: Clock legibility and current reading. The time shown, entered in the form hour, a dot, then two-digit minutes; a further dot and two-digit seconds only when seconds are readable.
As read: 10.40
